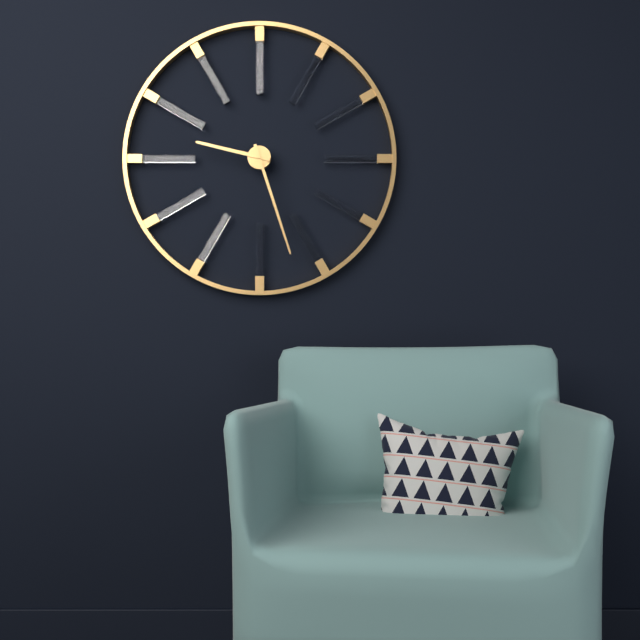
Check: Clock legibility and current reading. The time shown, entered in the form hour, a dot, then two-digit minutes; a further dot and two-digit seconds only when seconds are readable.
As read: 9.27
